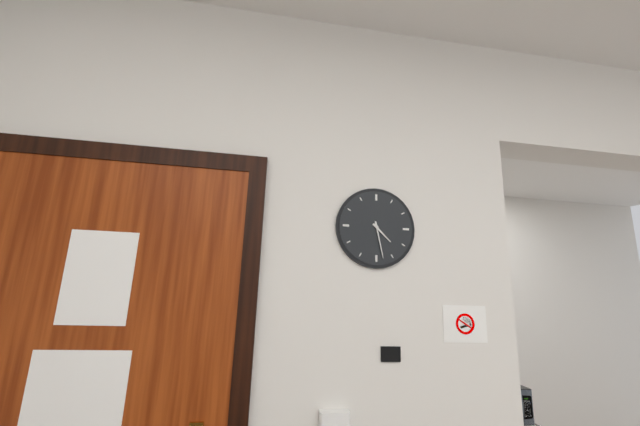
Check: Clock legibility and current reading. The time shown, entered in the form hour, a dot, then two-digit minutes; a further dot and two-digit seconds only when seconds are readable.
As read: 4.28
